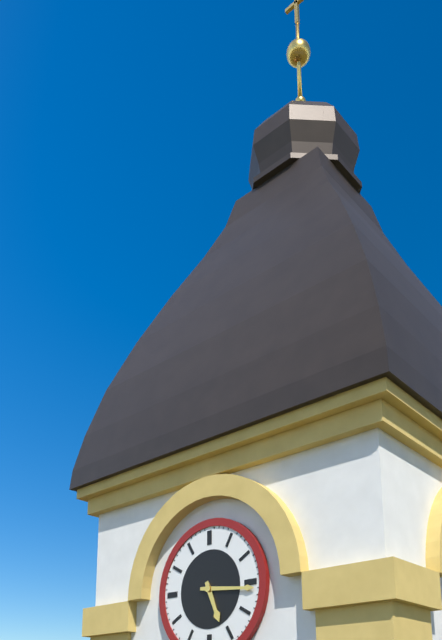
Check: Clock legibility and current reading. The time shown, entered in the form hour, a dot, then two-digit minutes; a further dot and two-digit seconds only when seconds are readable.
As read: 5.16
